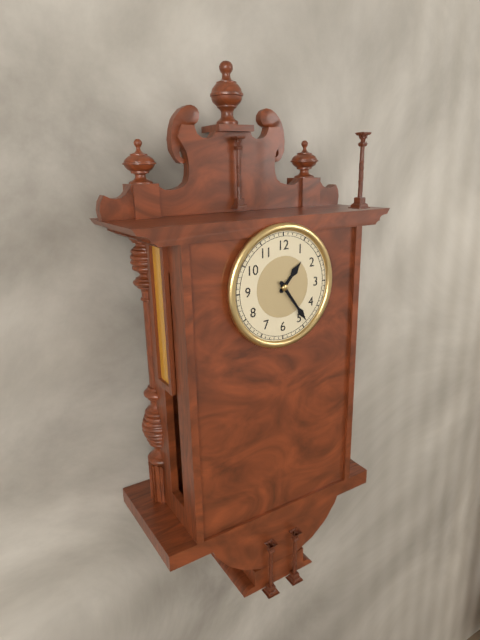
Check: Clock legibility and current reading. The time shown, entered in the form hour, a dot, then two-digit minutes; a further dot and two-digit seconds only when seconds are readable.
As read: 1.24
